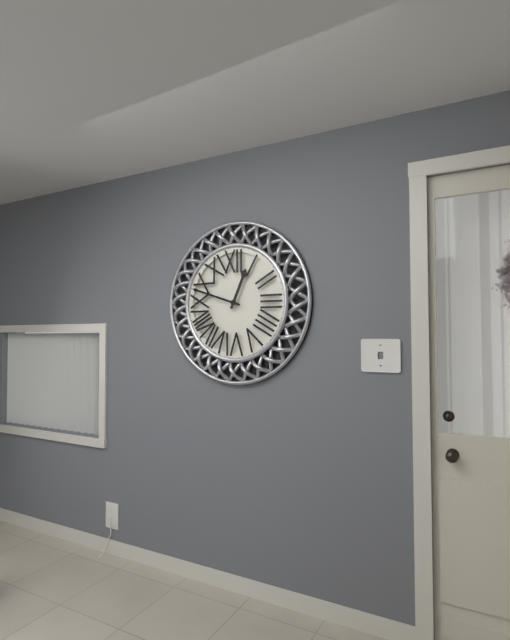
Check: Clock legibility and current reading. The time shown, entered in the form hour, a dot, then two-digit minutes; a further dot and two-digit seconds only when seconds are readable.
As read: 12.48
